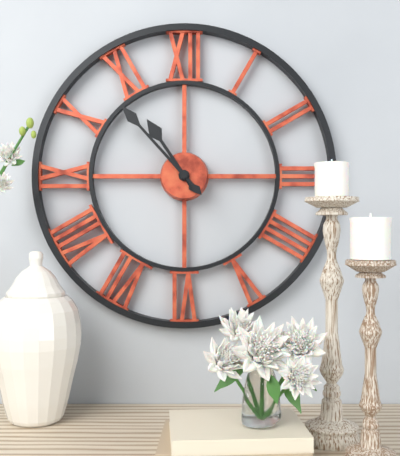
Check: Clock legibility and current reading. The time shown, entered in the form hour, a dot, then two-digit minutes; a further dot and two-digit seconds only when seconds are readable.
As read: 10.53
